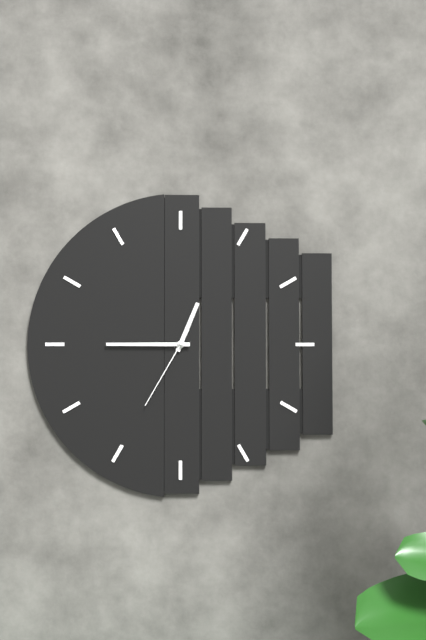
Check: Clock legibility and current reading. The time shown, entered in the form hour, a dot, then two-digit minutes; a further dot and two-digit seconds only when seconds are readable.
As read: 12.45.35
